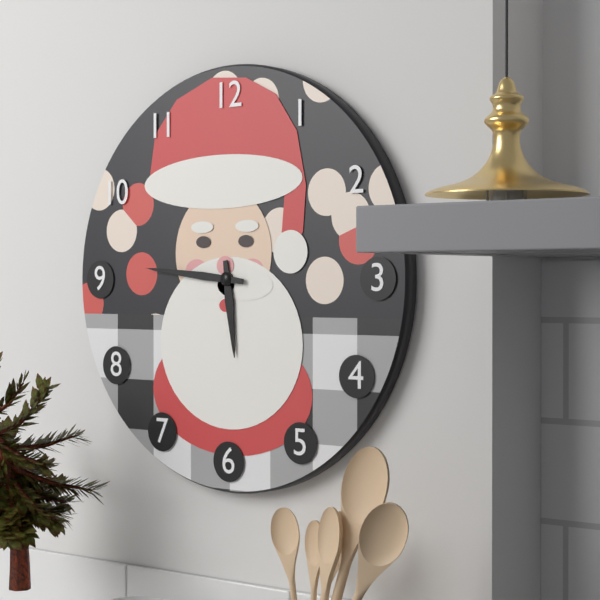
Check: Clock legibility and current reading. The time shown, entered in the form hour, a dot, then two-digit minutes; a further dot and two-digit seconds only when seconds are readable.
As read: 5.46
